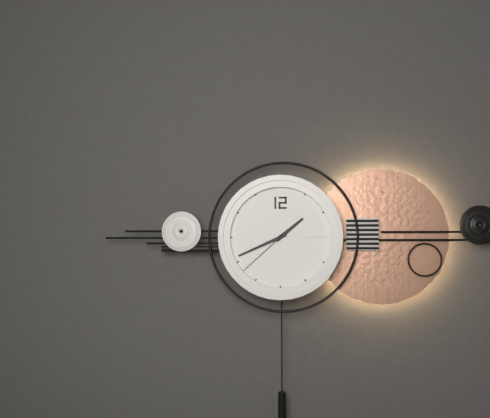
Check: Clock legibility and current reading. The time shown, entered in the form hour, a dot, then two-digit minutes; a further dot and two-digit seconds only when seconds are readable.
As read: 1.41.38
